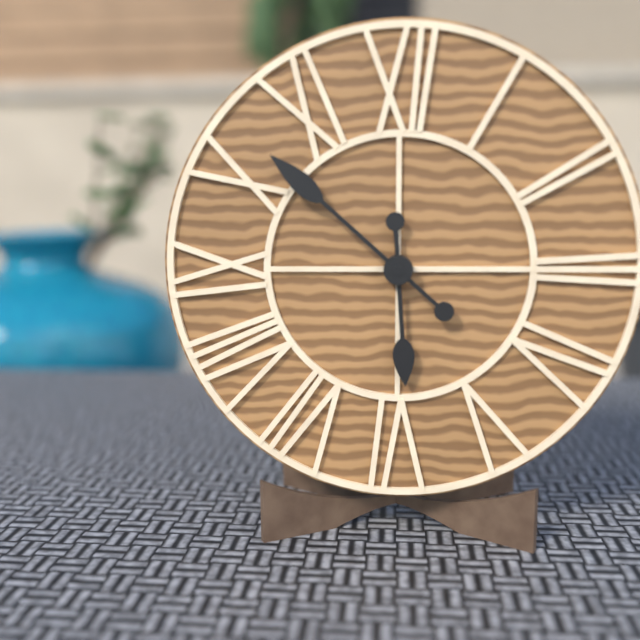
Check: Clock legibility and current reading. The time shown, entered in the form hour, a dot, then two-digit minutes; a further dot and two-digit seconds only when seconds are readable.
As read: 5.52
